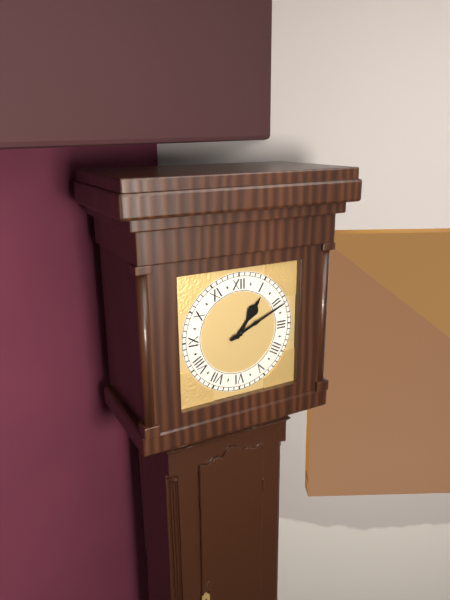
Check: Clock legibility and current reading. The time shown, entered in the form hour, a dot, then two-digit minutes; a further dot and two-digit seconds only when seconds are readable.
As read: 1.11
